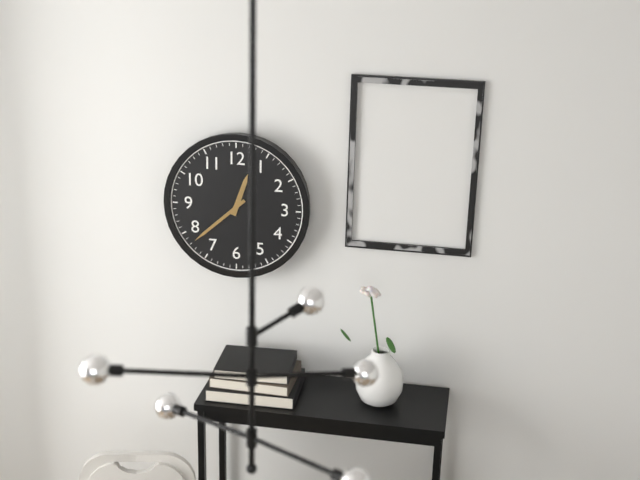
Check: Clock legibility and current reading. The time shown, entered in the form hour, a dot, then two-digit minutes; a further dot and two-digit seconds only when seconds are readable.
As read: 12.38
